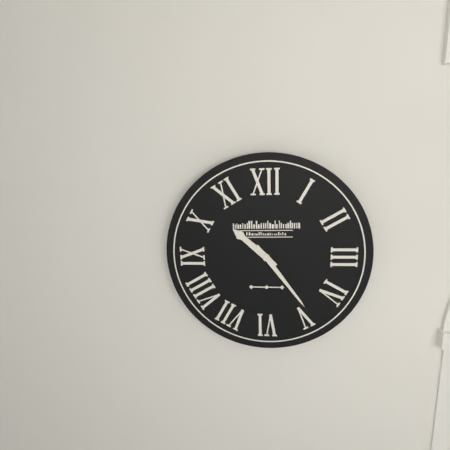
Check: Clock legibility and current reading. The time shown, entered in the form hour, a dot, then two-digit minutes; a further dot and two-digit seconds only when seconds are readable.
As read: 10.24
